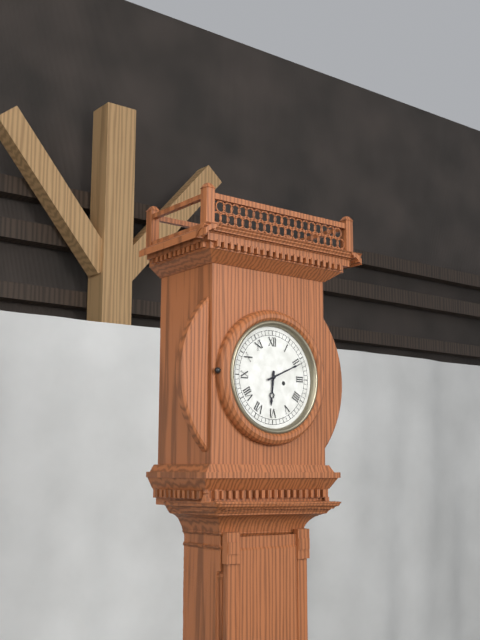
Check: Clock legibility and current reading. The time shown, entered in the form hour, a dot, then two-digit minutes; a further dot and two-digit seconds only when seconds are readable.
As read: 6.11
